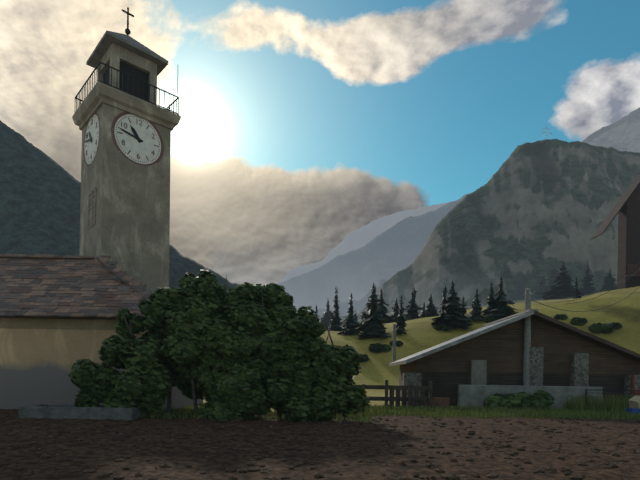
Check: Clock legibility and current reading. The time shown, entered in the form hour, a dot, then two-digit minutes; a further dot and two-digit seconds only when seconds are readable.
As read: 10.47
